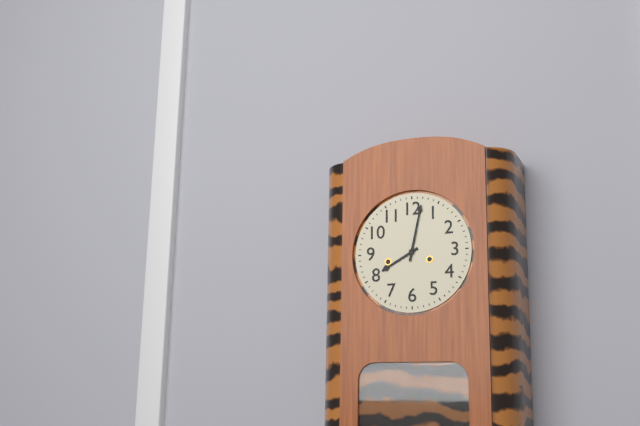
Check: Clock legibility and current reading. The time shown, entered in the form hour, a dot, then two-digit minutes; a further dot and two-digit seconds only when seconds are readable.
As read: 8.02
